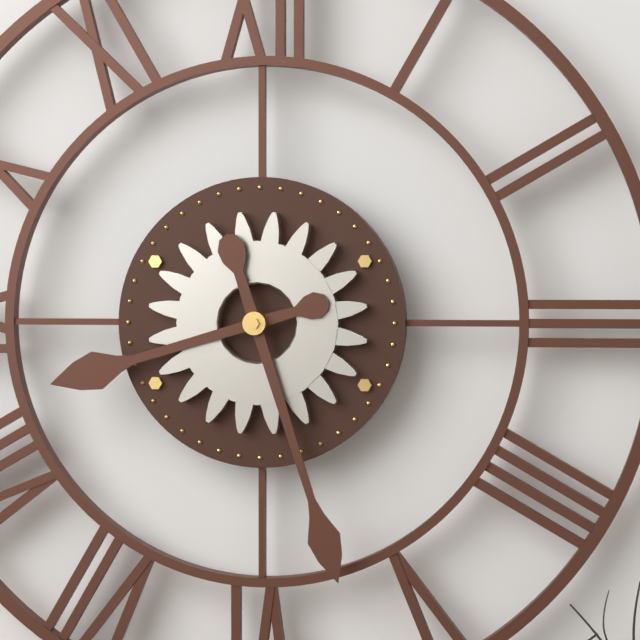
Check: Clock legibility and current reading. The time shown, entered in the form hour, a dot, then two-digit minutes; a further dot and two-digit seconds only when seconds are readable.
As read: 8.27
